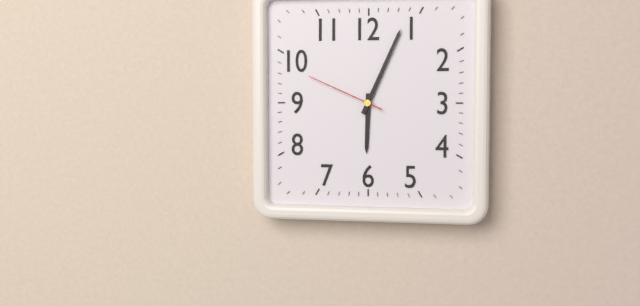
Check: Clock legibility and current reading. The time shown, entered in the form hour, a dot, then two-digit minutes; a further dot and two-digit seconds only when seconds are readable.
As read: 6.04.49
